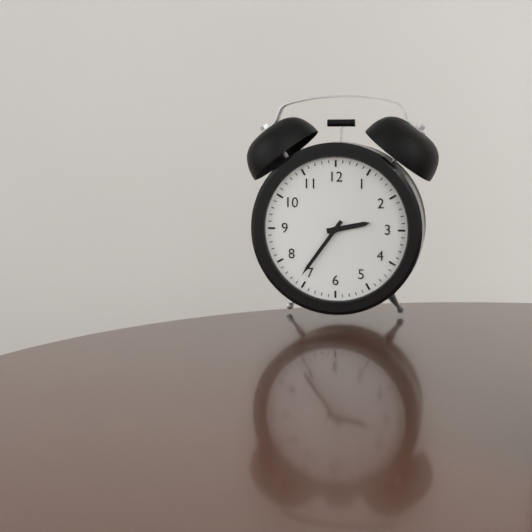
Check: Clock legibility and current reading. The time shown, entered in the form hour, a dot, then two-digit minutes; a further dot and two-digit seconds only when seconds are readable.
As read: 2.36
